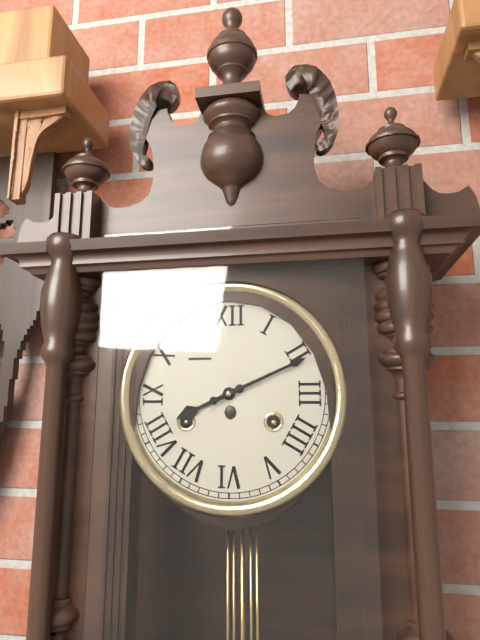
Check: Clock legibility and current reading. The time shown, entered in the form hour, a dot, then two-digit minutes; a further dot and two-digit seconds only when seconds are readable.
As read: 8.11
